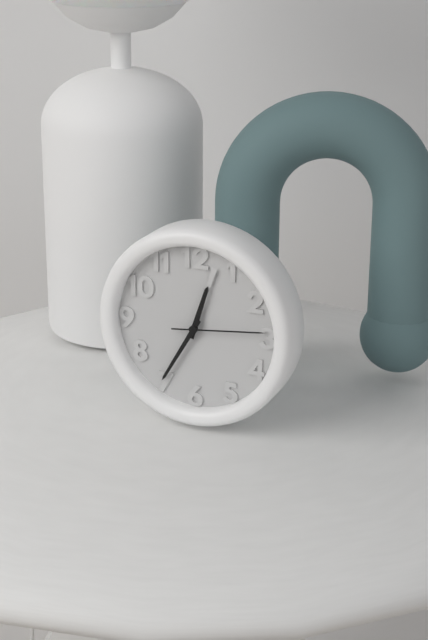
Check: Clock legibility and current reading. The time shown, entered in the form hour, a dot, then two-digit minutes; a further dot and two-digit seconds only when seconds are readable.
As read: 12.35.14
